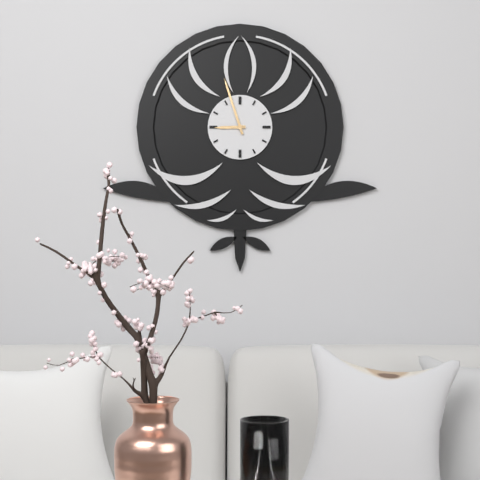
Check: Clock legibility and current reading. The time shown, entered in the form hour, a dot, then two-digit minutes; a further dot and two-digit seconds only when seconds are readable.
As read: 8.57
